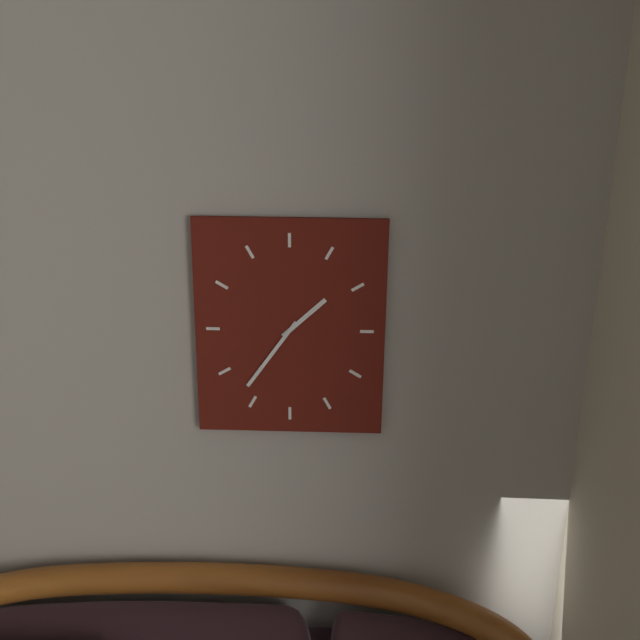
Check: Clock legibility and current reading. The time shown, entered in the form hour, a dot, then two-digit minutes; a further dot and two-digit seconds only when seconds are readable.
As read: 1.36
